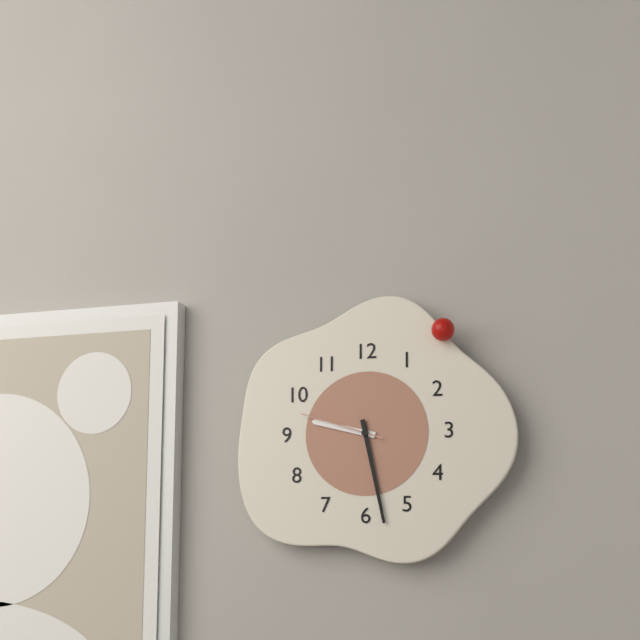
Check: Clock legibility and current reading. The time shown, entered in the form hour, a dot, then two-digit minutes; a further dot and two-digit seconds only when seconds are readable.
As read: 9.28.48
